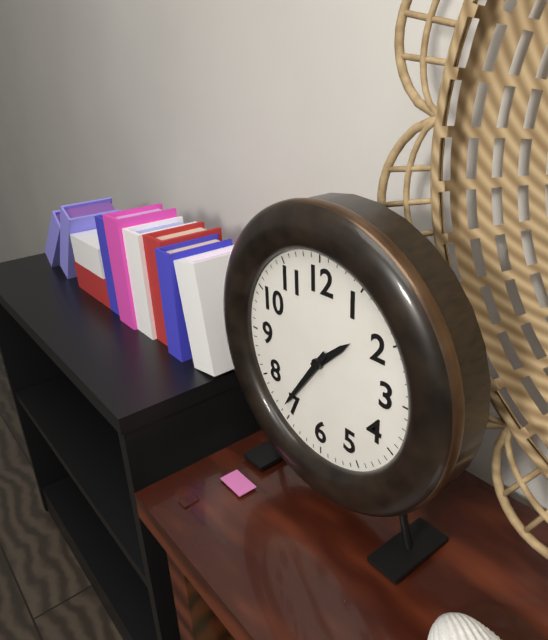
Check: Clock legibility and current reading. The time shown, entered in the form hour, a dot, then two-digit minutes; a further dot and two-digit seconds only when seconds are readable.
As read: 1.36
